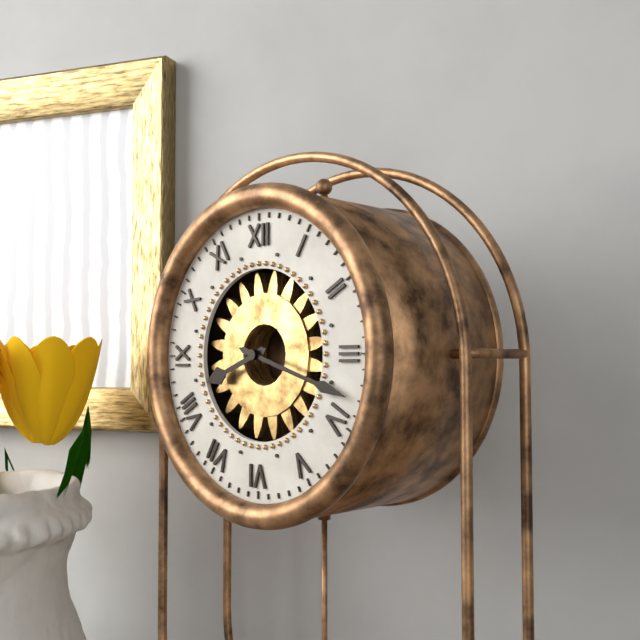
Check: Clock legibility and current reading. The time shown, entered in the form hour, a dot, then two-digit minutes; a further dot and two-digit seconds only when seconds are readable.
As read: 8.18
